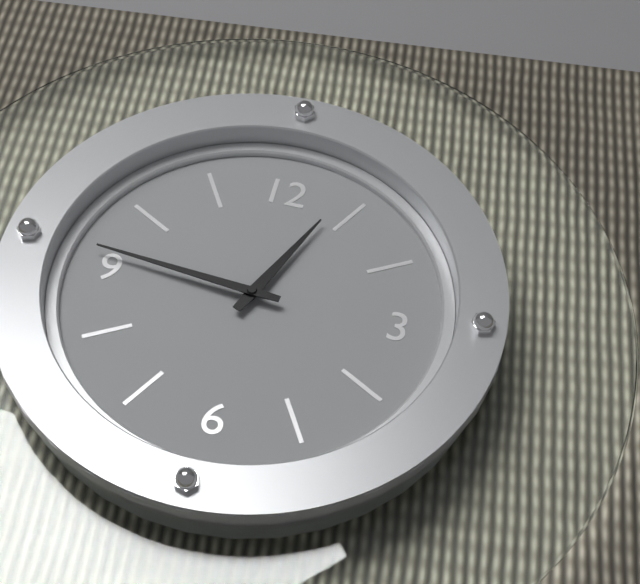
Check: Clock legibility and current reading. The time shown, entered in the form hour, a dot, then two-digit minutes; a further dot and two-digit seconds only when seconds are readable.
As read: 12.46
